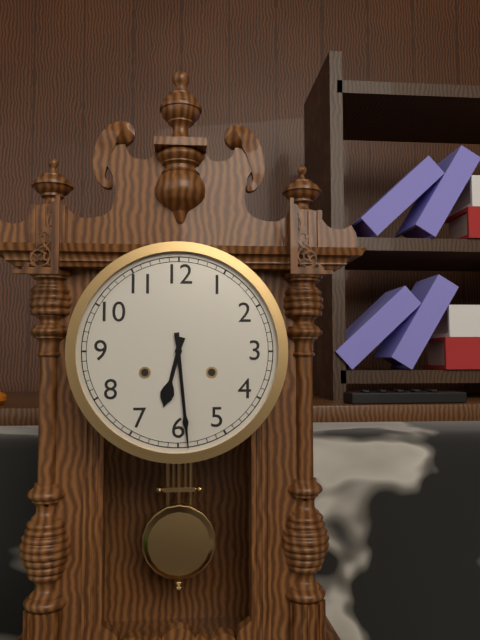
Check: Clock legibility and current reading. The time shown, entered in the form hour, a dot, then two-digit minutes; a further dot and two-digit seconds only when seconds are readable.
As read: 6.29
